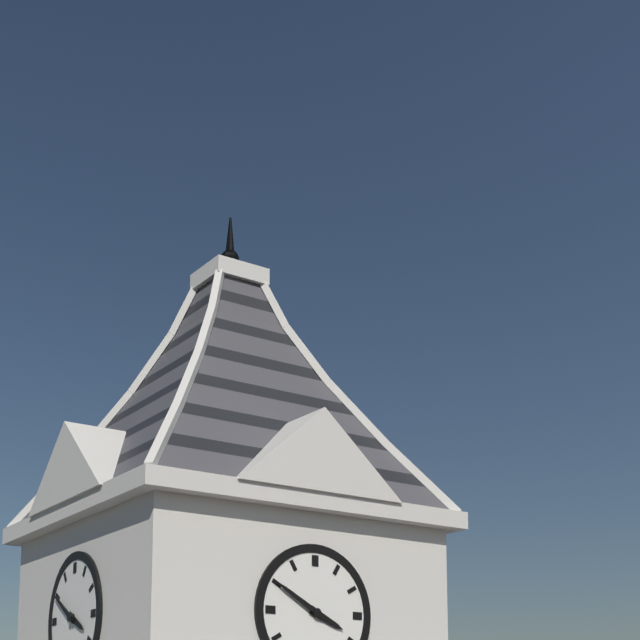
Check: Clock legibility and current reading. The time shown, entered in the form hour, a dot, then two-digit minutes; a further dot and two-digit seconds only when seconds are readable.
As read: 3.50
